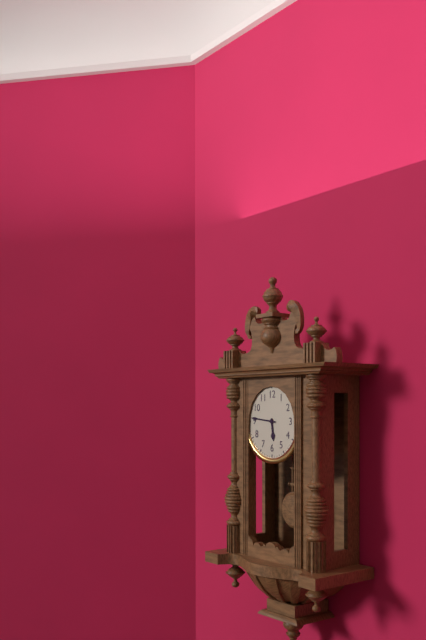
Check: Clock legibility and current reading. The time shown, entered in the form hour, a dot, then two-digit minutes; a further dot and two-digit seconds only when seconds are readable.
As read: 5.46
